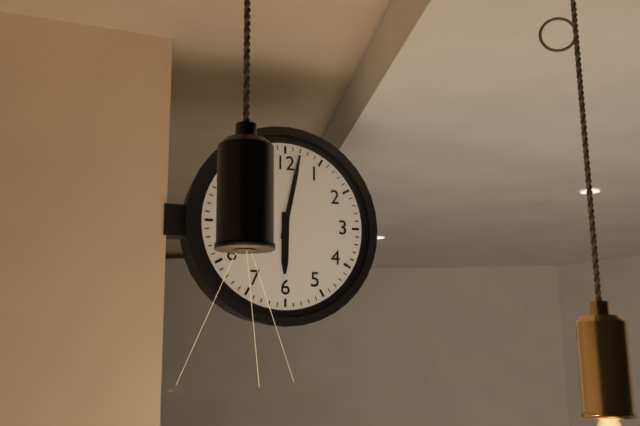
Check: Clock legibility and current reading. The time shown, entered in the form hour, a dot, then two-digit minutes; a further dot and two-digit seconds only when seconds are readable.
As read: 6.02
